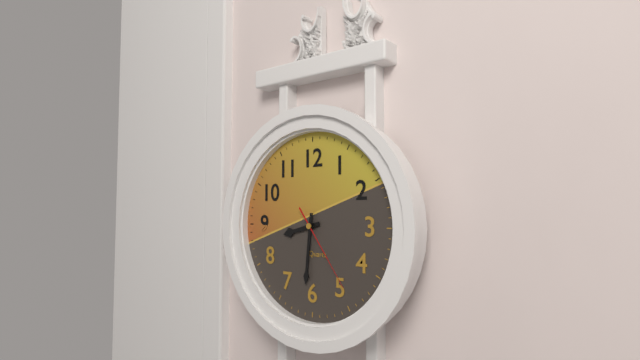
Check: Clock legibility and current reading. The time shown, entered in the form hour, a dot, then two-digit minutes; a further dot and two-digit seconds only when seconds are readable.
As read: 8.31.24
